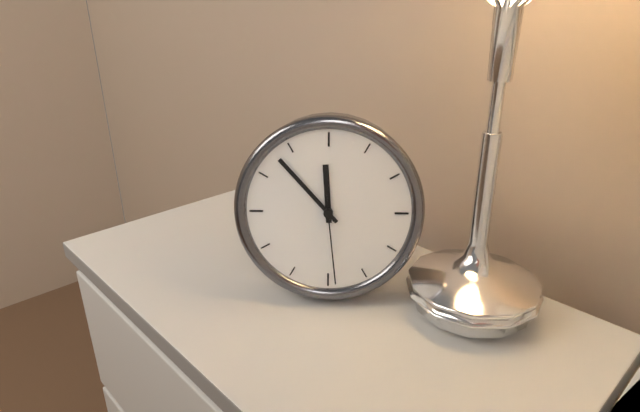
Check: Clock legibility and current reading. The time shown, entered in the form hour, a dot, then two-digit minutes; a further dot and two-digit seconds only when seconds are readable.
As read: 11.53.29
